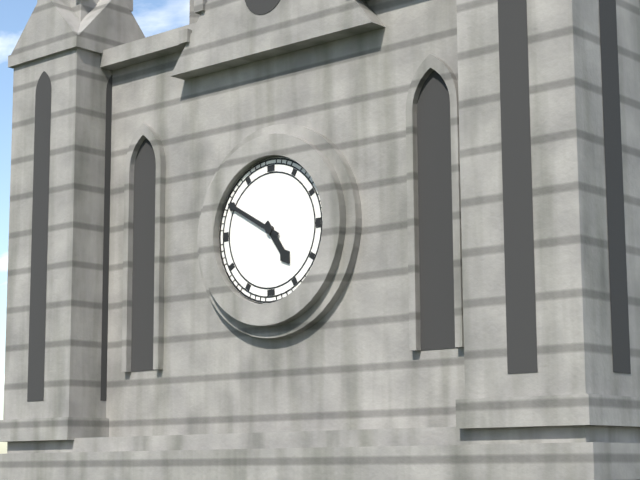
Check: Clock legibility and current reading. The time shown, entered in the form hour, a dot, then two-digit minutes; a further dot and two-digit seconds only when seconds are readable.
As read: 4.50
